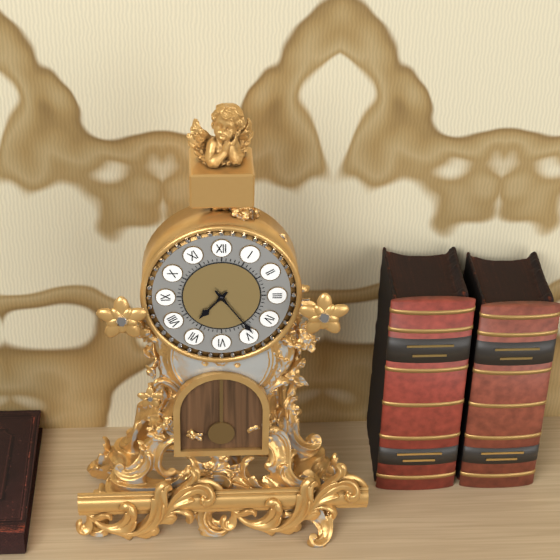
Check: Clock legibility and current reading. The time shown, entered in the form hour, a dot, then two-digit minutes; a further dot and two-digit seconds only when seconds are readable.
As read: 7.24
